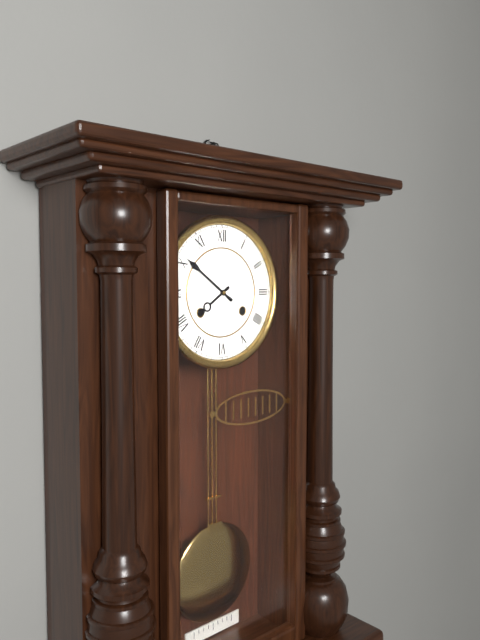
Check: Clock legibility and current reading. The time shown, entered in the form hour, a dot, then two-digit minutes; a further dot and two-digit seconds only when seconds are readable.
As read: 7.51
